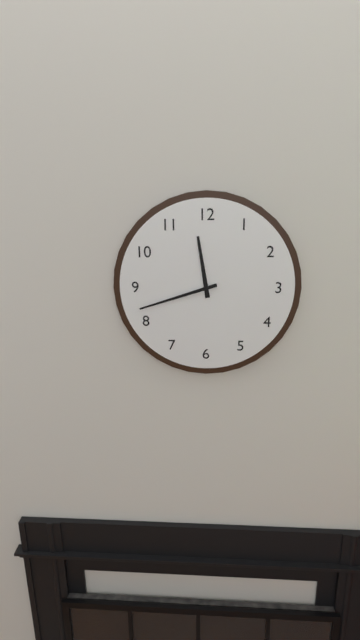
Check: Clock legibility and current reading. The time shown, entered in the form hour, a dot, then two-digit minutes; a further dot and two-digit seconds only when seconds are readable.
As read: 11.42
